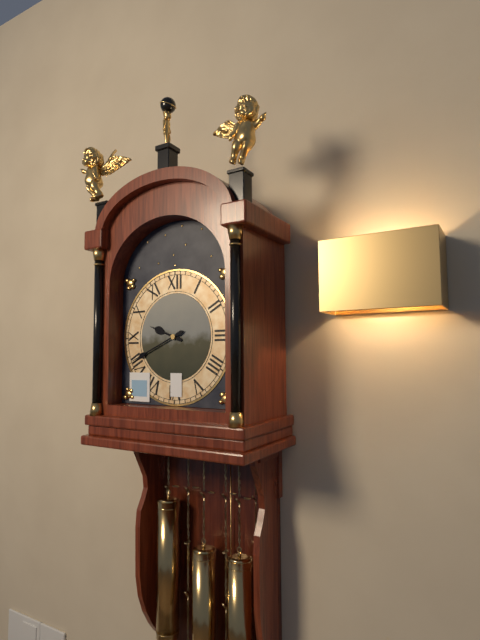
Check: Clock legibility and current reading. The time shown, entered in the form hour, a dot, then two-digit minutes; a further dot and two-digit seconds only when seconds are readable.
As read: 9.41
